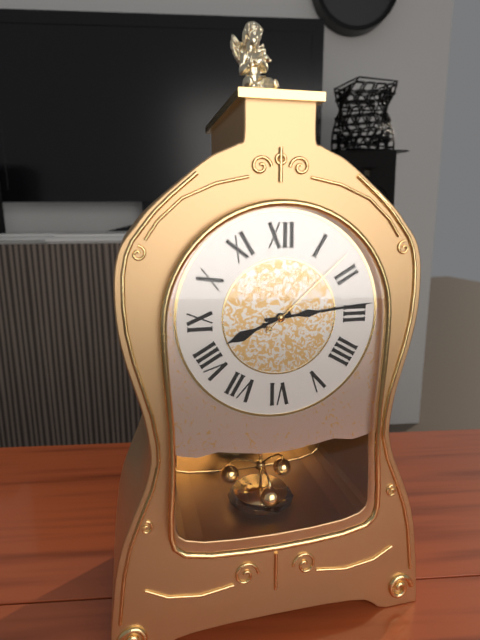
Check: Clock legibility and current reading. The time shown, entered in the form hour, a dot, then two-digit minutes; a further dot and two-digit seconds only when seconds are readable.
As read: 8.14.08
